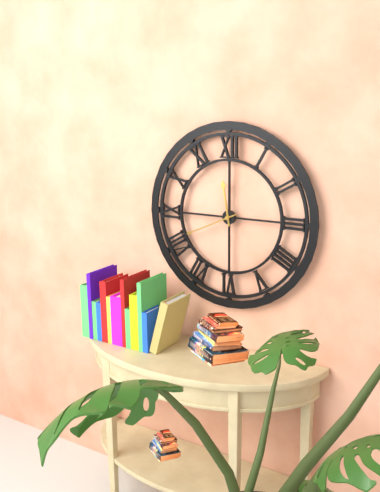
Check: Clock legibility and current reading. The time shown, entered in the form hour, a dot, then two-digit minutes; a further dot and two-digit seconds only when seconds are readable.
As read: 11.41
